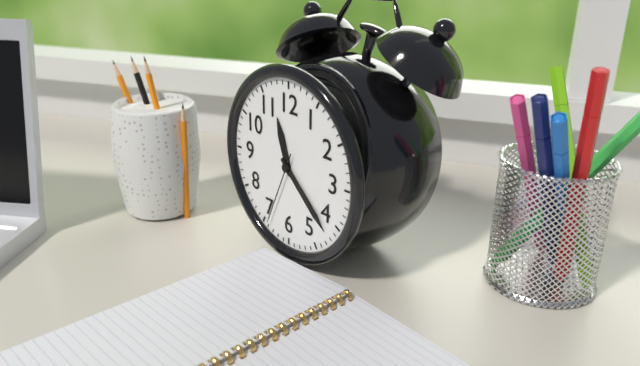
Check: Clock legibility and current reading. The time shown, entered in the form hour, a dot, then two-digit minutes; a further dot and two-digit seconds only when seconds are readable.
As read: 11.22.34
